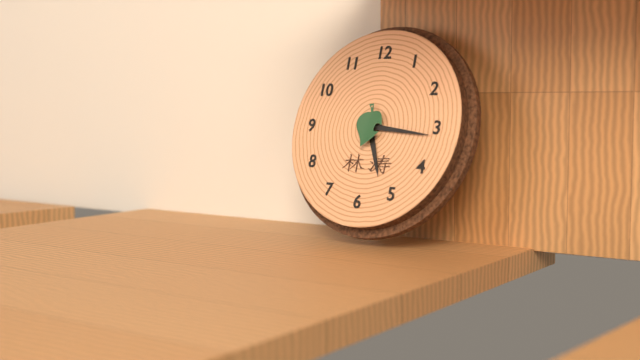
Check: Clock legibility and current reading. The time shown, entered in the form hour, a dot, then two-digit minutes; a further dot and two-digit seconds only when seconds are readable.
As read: 5.16
